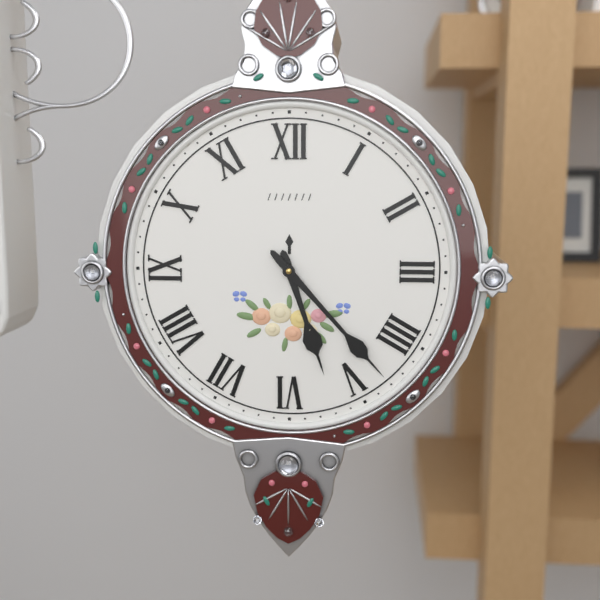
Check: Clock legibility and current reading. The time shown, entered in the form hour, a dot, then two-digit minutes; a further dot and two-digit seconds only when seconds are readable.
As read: 5.23
